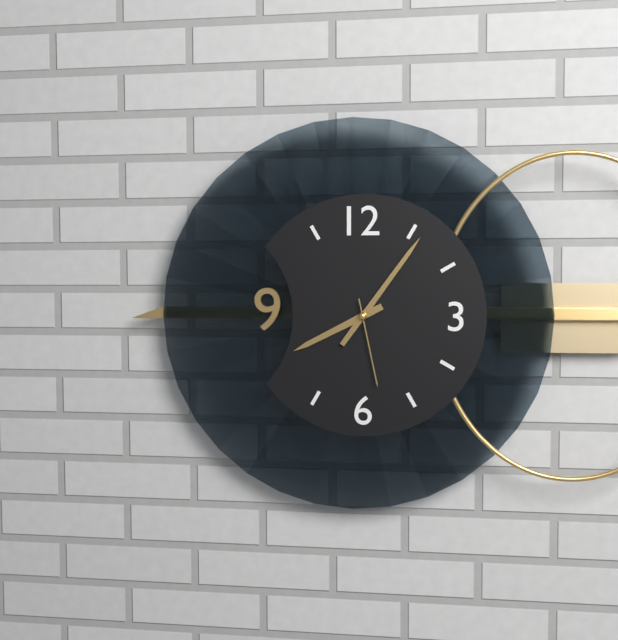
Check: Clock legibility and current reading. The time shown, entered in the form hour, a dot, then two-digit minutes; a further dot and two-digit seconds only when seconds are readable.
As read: 8.06.28
